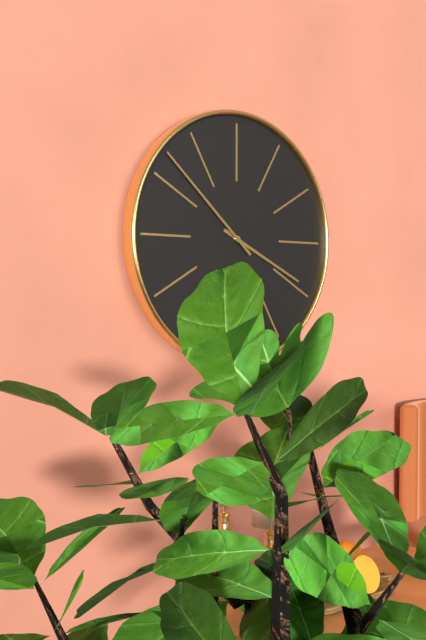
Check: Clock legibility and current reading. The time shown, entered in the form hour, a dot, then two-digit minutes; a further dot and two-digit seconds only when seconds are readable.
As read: 3.52
